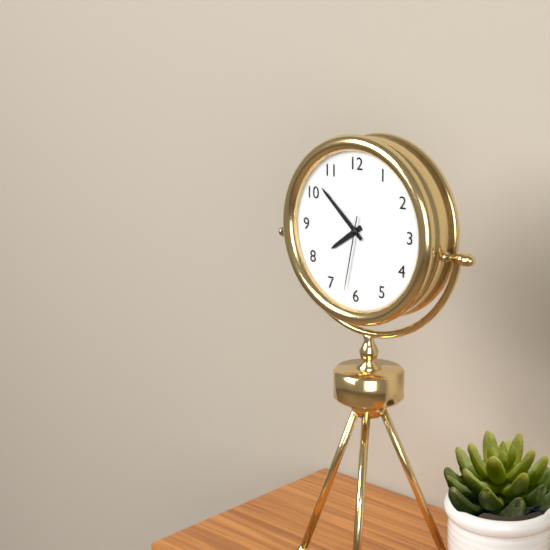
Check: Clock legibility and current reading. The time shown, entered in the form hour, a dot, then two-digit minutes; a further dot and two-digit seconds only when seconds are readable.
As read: 7.52.32
